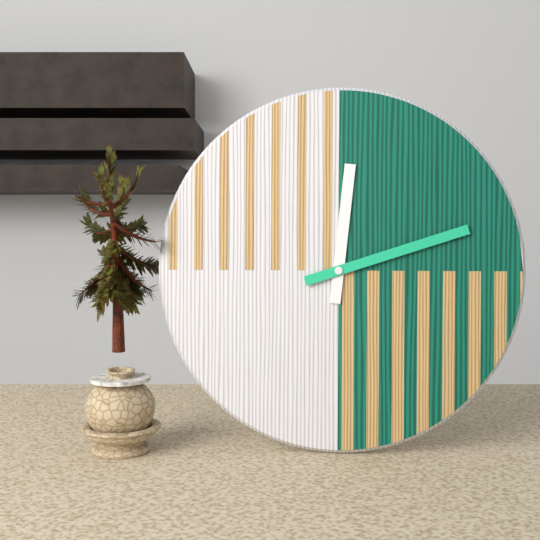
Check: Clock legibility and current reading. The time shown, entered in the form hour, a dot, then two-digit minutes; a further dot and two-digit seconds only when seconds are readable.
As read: 12.12
